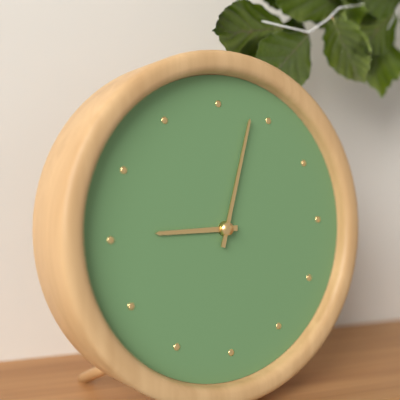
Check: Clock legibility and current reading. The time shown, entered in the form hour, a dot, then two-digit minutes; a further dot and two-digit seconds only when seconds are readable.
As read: 9.03
